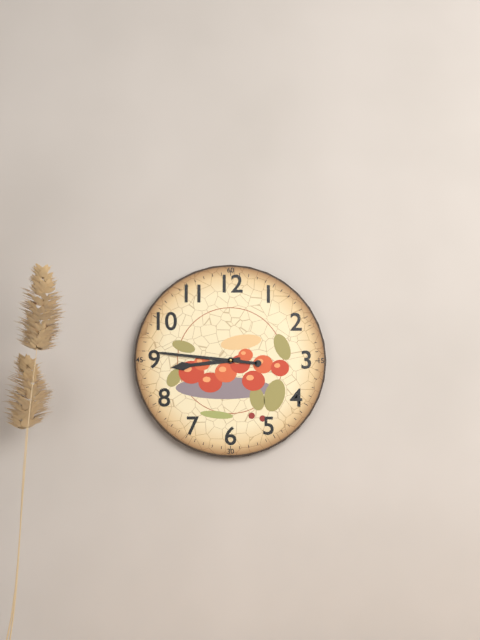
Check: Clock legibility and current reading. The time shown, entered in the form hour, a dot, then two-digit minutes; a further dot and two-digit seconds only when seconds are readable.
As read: 8.46
